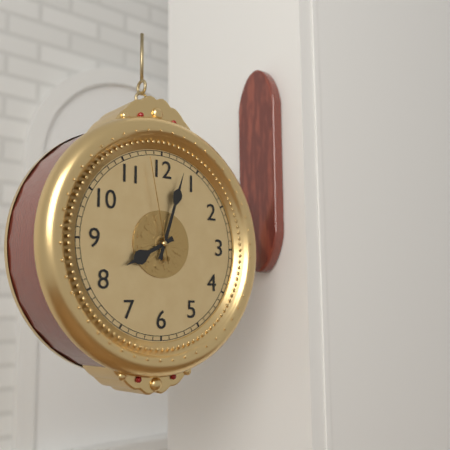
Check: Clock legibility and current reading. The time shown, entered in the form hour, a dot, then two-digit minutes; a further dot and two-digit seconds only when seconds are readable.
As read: 8.03.58
